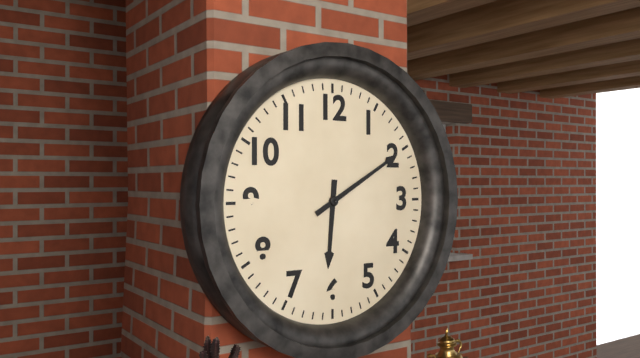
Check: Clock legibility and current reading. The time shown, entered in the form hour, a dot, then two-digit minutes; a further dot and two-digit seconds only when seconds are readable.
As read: 6.10
